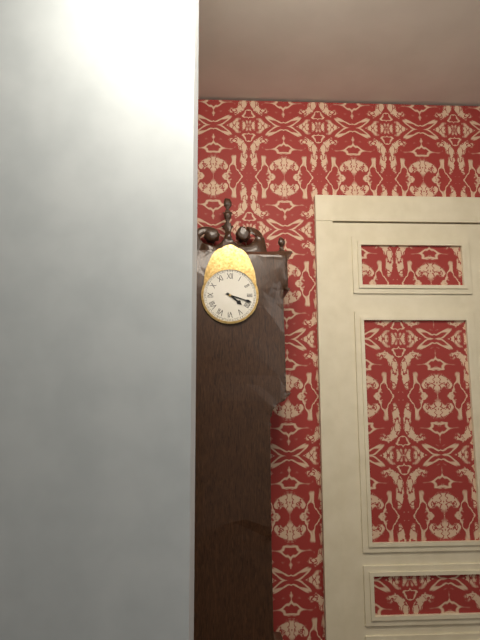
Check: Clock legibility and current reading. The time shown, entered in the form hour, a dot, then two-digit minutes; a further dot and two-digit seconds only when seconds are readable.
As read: 4.18
